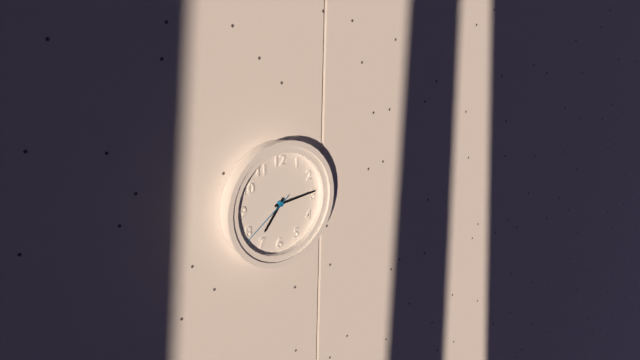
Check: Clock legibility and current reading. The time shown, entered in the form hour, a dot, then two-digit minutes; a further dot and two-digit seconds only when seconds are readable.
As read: 7.14.39
